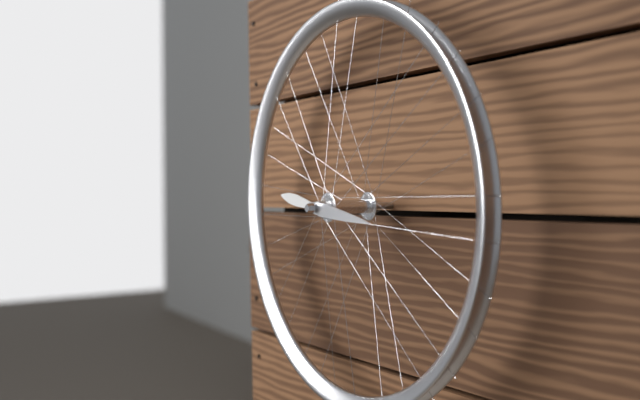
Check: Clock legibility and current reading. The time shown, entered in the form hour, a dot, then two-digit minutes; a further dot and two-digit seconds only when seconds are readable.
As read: 9.16
